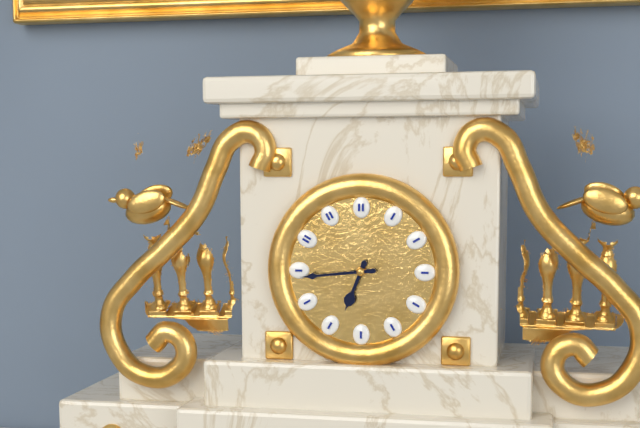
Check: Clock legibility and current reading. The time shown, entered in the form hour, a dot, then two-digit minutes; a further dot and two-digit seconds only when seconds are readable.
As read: 6.44
